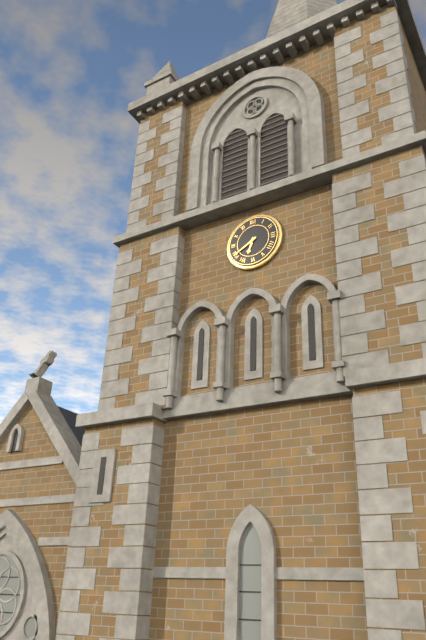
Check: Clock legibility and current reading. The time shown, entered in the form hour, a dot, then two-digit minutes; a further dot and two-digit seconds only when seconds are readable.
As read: 6.40
